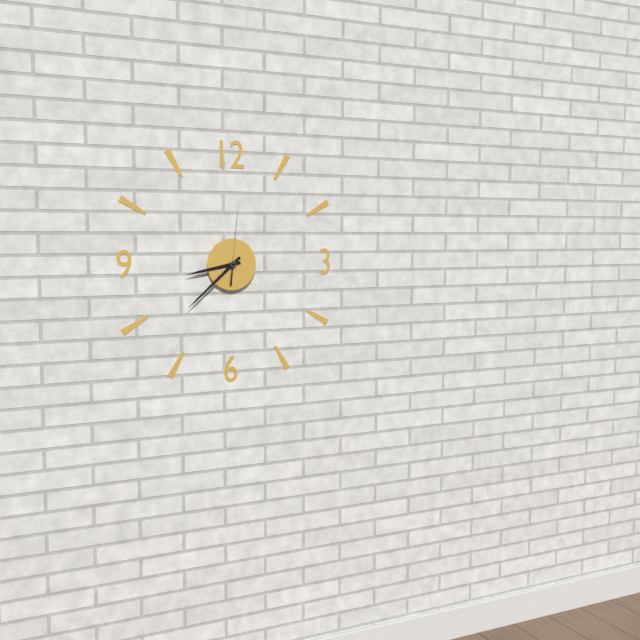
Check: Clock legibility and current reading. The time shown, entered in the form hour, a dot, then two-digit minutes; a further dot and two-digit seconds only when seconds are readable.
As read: 8.38.01
